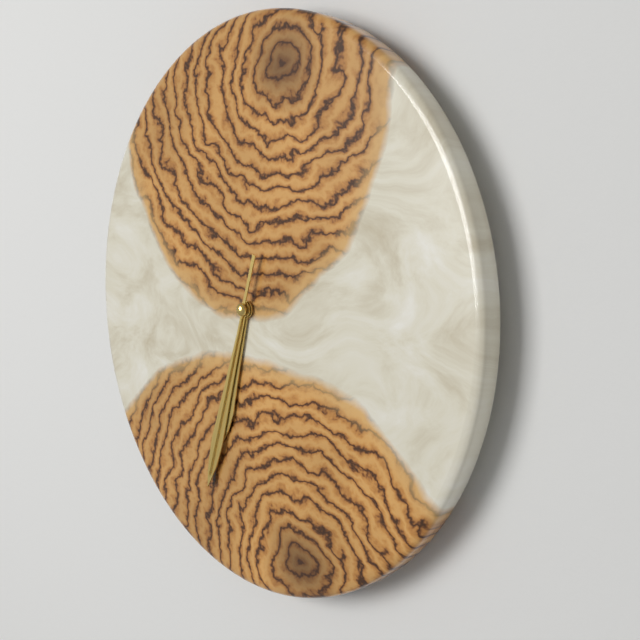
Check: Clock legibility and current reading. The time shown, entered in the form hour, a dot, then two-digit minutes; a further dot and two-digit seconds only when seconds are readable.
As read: 6.33.33
